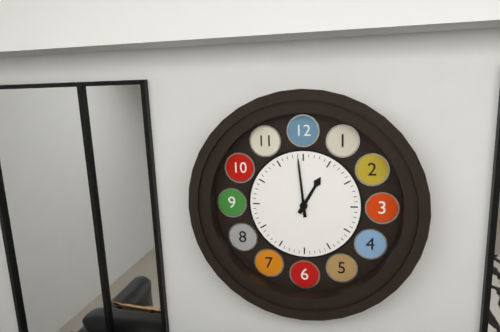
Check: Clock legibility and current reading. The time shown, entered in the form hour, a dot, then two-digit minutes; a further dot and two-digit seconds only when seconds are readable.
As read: 12.59
